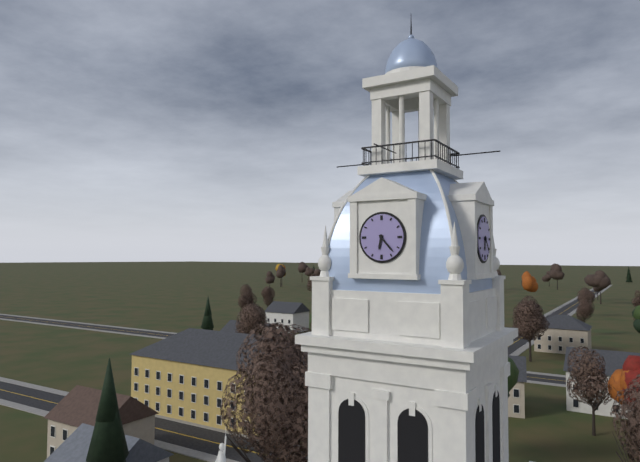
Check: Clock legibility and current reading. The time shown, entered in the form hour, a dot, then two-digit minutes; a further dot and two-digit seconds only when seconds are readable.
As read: 6.23
